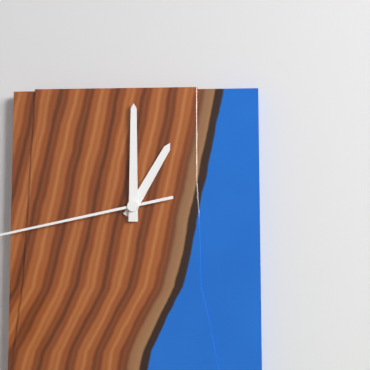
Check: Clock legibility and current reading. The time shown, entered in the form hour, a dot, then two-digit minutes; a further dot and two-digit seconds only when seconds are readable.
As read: 1.00
